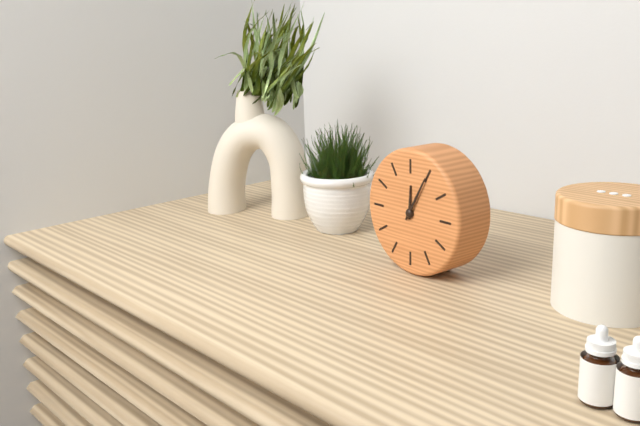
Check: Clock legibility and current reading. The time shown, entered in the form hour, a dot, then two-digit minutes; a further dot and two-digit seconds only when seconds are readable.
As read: 12.05
